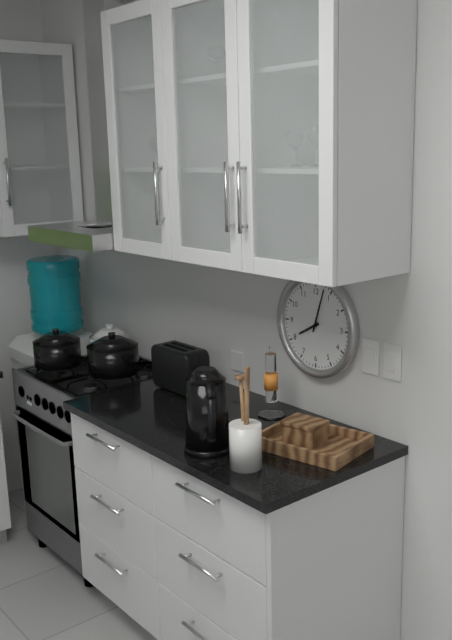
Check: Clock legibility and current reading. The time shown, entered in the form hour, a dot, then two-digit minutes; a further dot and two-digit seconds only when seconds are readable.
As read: 8.03
